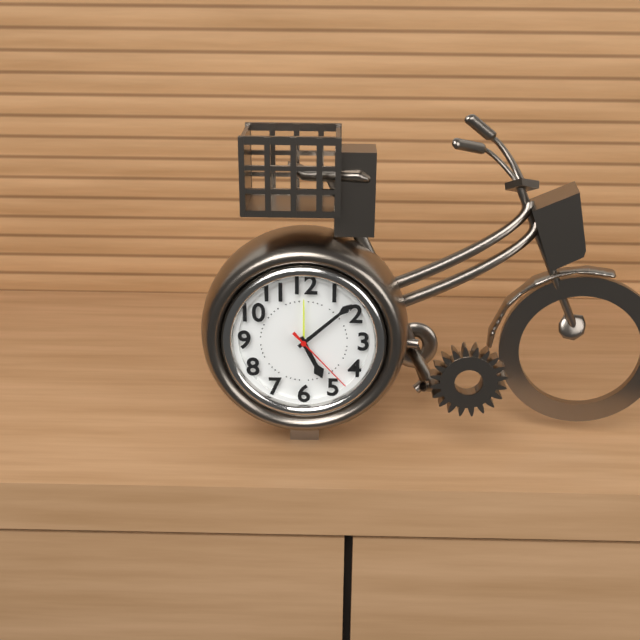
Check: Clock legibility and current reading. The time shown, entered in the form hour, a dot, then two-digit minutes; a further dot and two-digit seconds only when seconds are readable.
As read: 5.08.23
